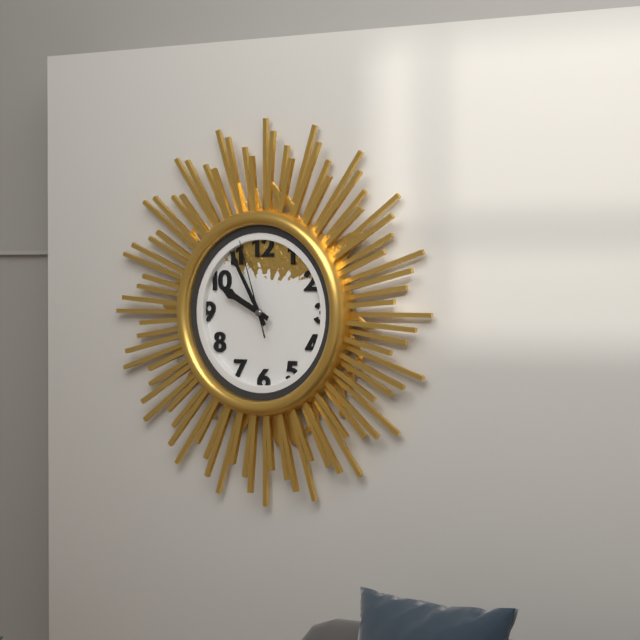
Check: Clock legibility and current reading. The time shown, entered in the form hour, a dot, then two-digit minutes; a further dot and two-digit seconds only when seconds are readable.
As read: 9.55.57
